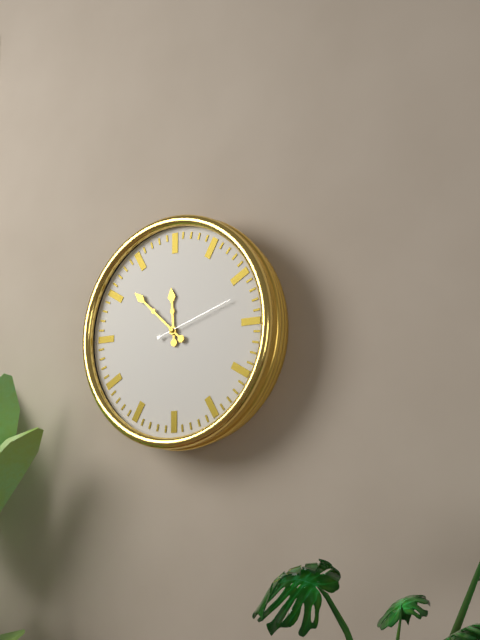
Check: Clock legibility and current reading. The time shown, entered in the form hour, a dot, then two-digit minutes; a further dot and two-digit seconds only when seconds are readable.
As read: 11.52.12
